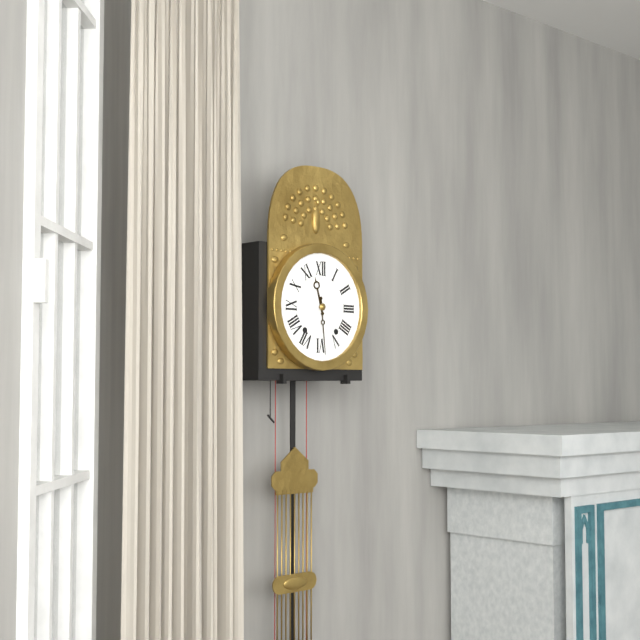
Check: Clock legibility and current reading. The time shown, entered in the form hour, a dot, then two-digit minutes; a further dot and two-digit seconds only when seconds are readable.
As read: 11.29
